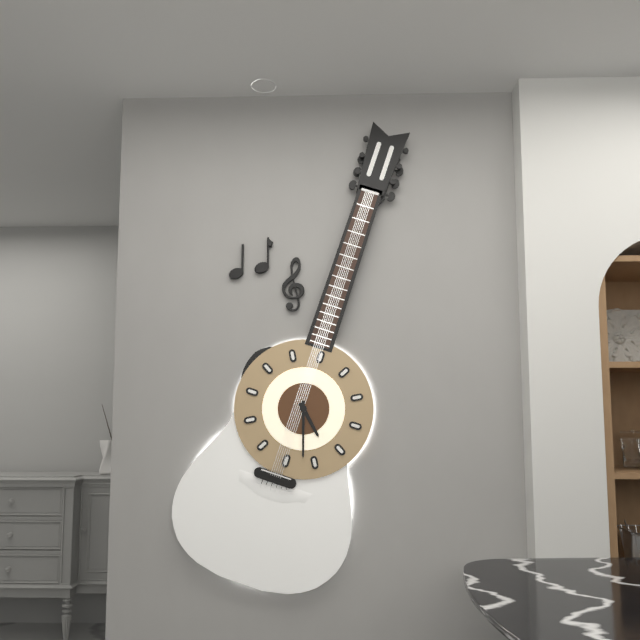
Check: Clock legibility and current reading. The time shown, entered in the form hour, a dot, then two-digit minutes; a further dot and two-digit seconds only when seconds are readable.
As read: 4.27
